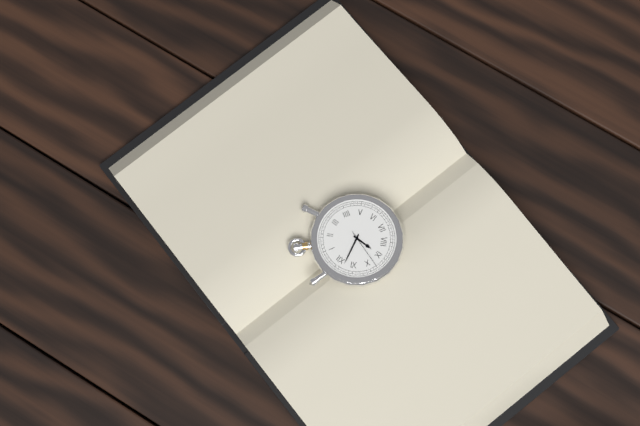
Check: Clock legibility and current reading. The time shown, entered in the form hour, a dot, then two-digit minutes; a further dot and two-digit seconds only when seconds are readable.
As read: 8.58
